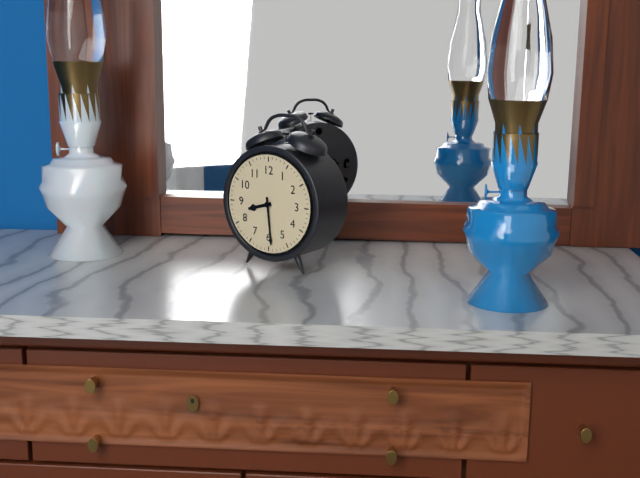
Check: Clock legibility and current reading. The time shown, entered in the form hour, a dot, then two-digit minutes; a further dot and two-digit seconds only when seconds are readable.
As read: 8.29
